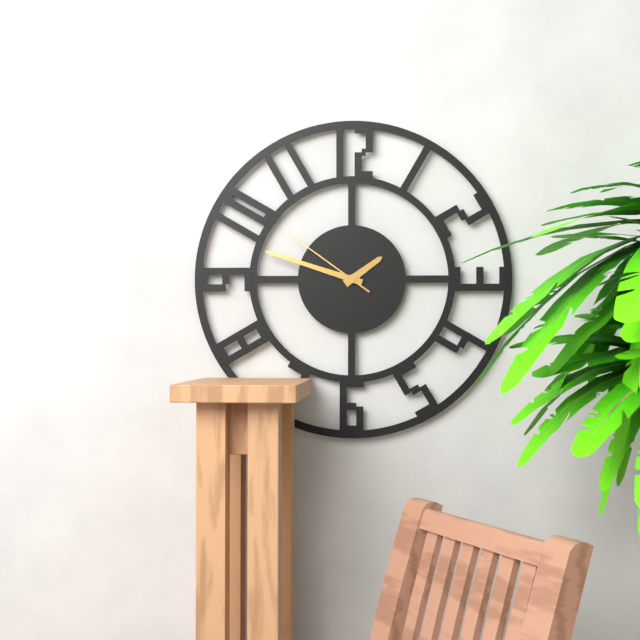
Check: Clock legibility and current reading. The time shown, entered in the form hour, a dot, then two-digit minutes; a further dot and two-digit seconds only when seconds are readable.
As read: 1.48.51
